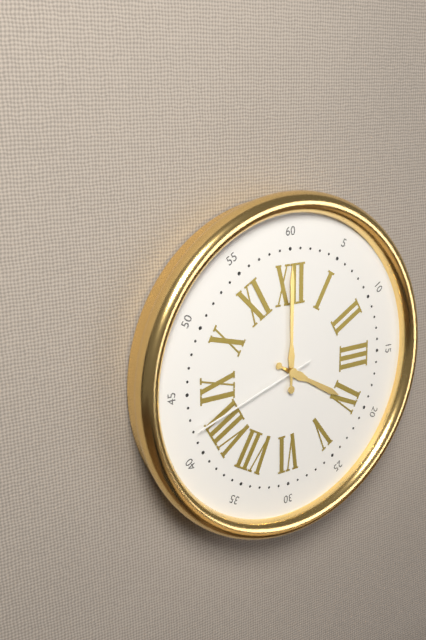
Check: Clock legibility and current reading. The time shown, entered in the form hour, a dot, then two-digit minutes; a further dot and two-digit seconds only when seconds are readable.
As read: 4.00.42
